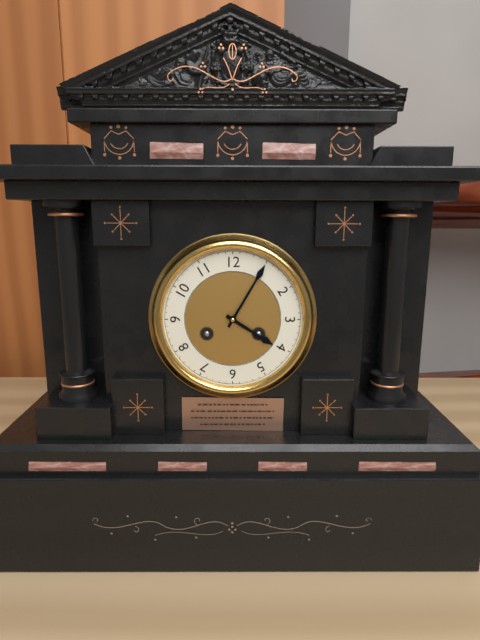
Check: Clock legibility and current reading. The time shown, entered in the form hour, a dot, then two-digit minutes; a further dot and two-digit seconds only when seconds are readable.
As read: 4.05
